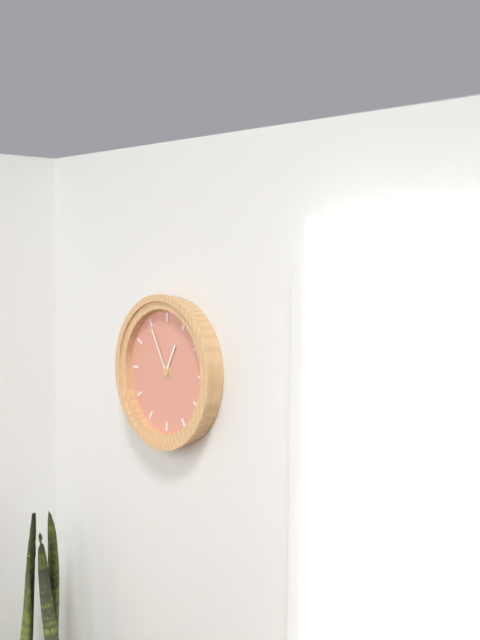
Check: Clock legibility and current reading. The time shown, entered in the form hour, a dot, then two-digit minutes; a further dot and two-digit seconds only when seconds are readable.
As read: 12.55
